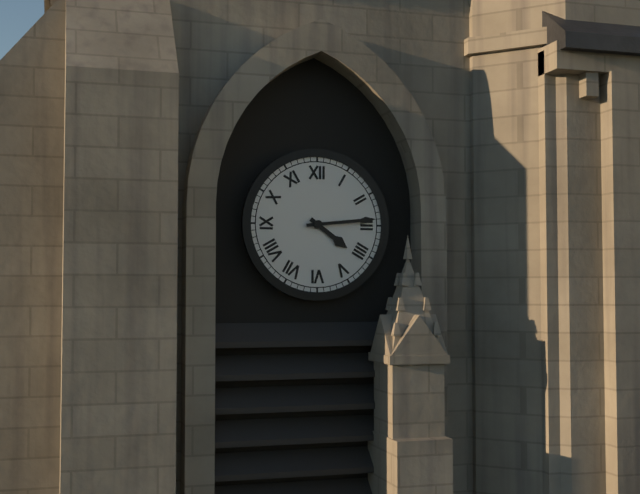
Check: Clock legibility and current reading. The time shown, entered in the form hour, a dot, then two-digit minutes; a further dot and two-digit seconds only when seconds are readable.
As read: 4.14
